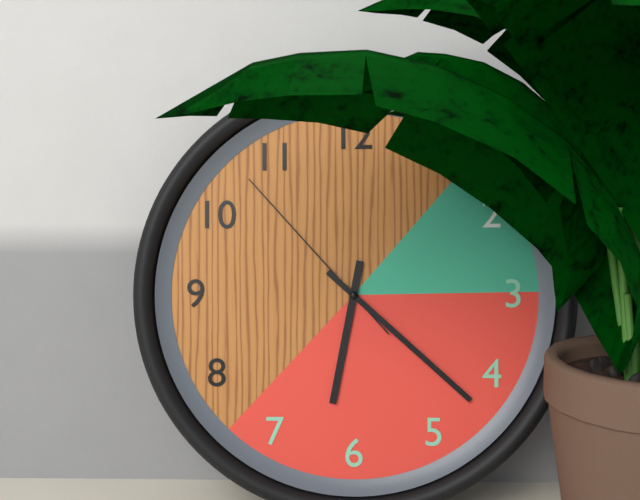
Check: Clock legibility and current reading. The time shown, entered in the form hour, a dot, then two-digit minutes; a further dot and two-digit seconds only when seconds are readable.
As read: 6.22.53
